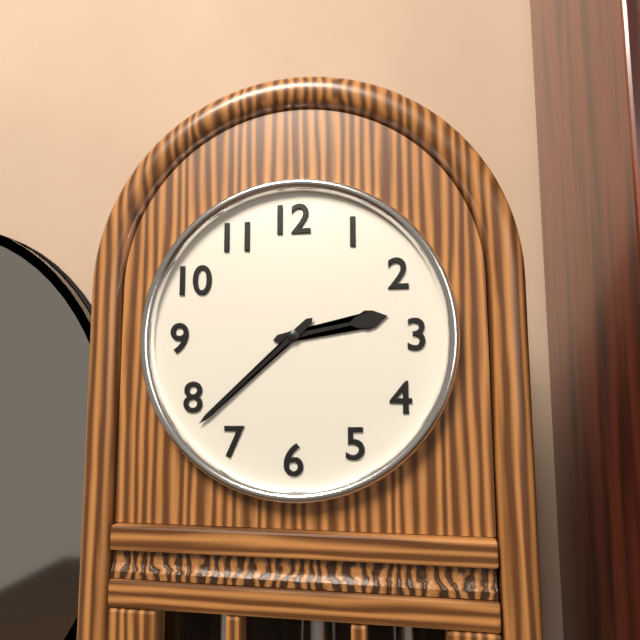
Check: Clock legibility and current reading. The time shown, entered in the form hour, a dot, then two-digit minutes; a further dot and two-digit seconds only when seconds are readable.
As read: 2.38
